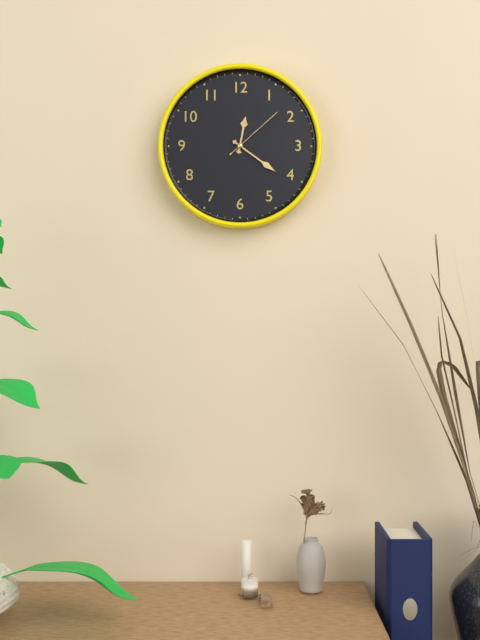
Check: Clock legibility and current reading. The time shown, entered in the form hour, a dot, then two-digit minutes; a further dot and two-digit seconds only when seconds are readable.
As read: 12.21.08
